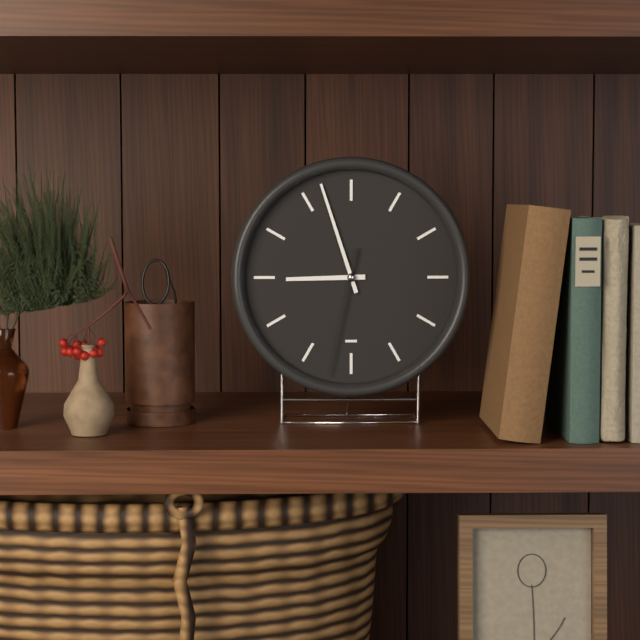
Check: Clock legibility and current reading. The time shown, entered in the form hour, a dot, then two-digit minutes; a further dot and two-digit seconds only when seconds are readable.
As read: 8.57.32
